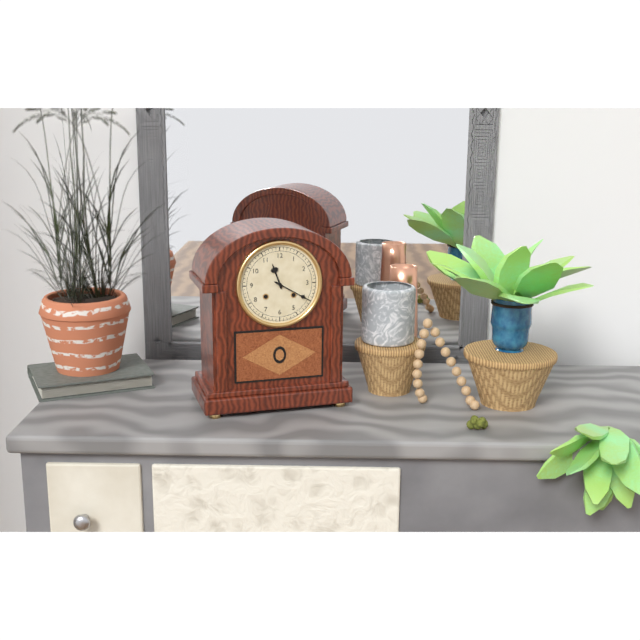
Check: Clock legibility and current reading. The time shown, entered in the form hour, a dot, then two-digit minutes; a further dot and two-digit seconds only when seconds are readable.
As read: 11.20
